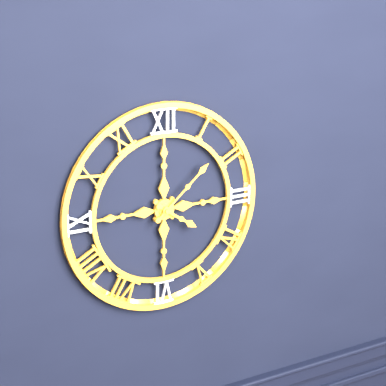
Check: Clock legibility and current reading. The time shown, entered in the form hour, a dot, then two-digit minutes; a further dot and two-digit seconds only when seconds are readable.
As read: 4.08
